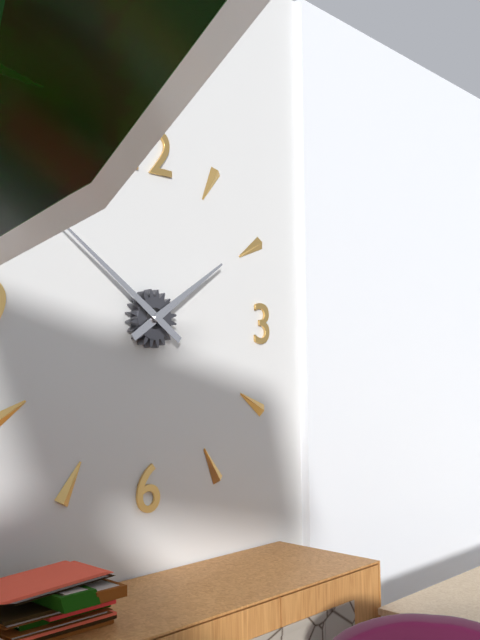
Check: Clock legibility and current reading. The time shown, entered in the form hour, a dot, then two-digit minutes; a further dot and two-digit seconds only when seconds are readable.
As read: 1.51
